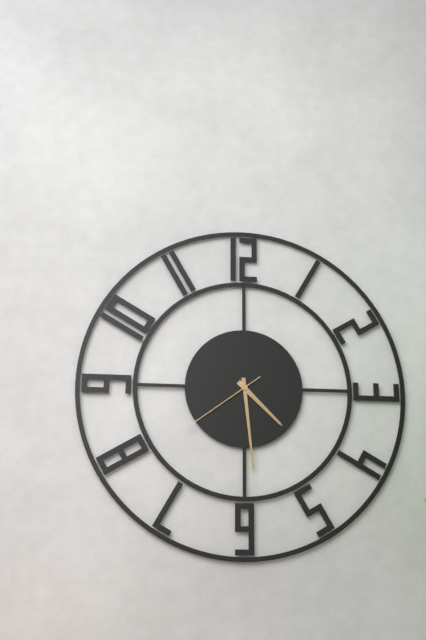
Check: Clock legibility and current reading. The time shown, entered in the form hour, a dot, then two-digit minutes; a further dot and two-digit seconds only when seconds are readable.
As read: 4.29.39
